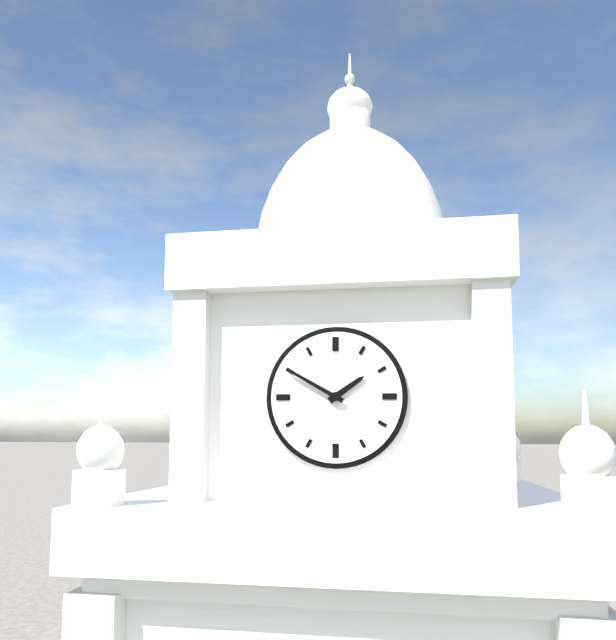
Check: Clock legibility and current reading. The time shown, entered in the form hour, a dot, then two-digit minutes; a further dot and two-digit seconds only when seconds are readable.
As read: 1.50
